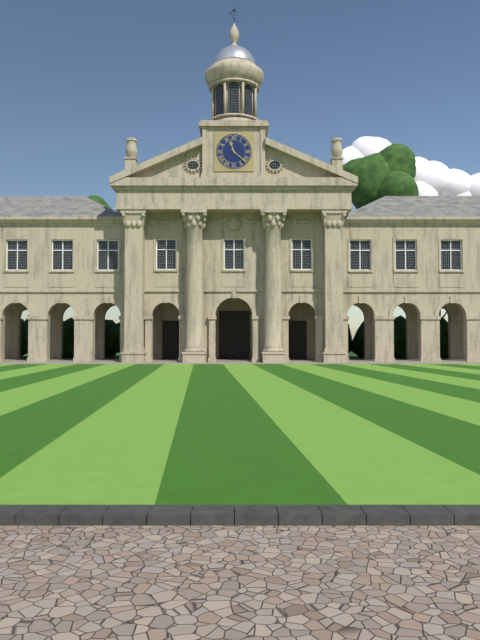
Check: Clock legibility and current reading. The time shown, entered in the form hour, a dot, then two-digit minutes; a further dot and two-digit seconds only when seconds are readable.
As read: 11.22
